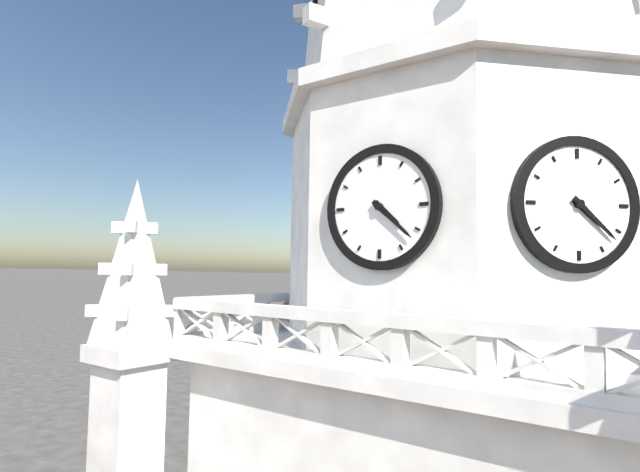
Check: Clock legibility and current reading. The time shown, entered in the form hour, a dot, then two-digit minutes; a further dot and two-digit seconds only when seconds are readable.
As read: 4.22
